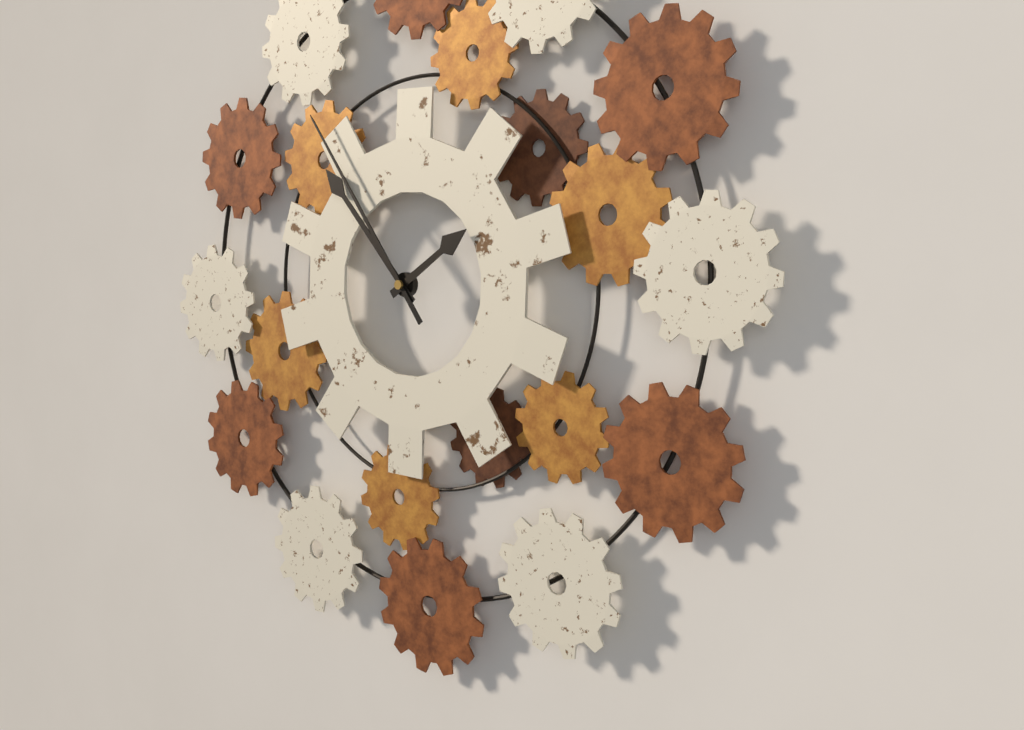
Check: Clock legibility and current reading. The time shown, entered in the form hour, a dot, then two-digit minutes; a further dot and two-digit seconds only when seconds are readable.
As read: 1.53.54
